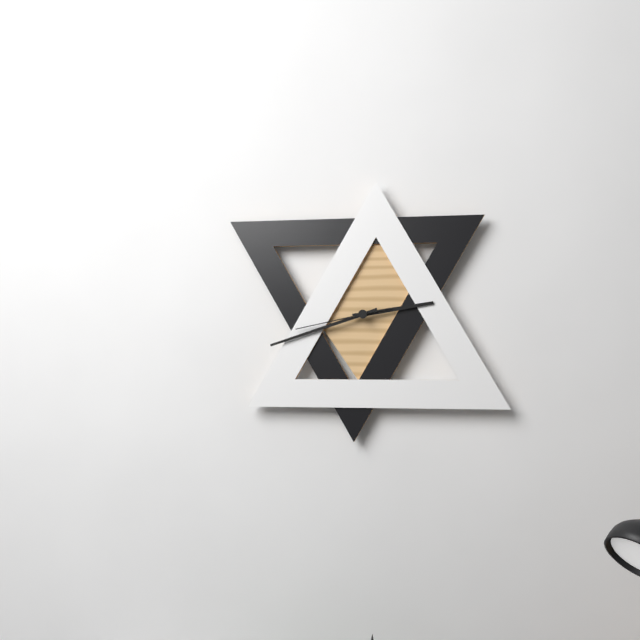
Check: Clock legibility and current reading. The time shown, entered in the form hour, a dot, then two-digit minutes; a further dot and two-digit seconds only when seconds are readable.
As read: 2.42.43
